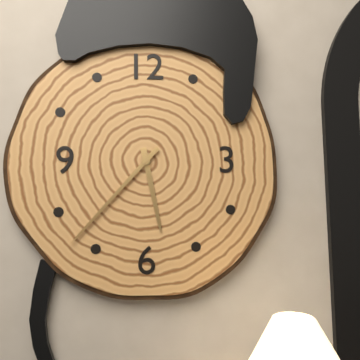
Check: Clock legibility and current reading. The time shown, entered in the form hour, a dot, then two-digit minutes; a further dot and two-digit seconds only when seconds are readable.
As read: 5.37
